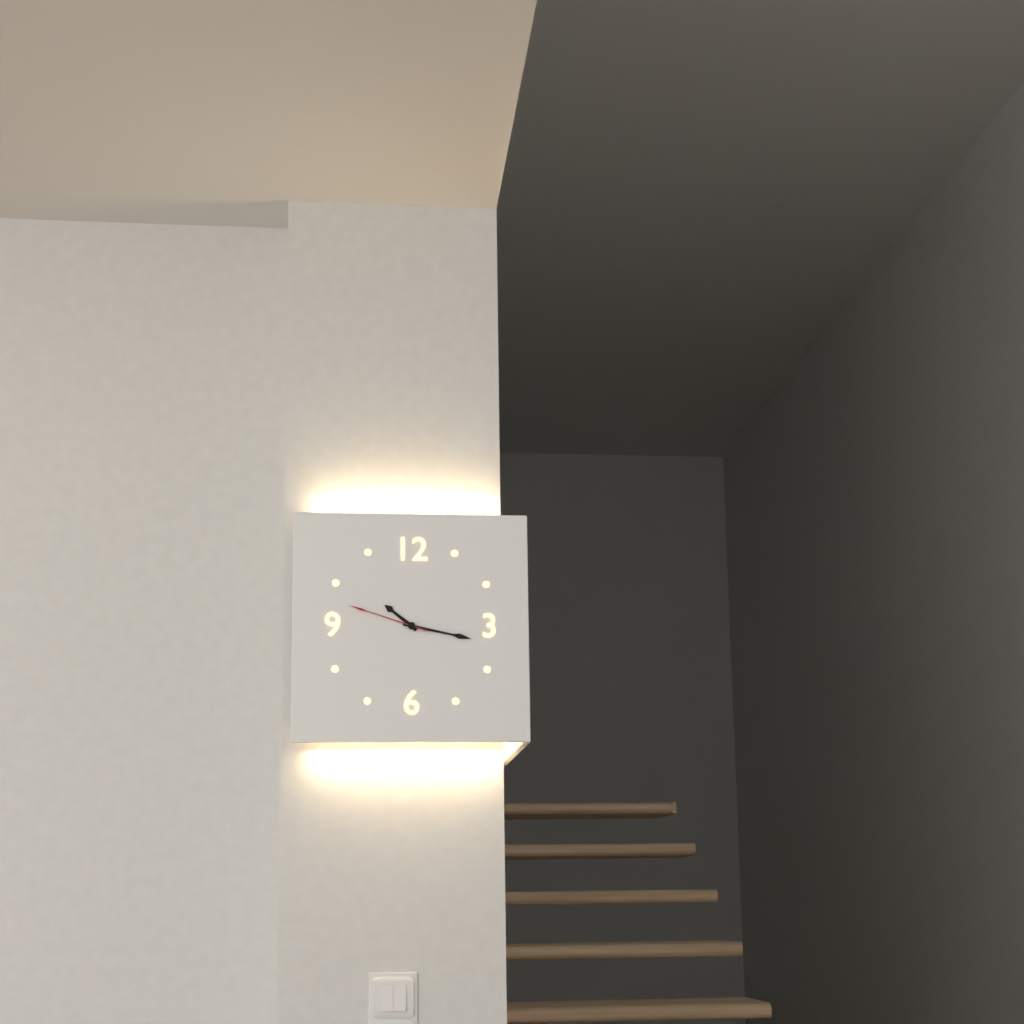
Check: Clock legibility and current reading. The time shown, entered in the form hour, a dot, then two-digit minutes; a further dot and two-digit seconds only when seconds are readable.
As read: 10.17.48
